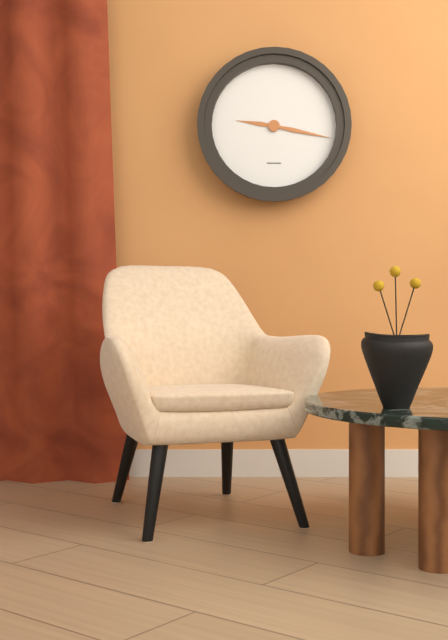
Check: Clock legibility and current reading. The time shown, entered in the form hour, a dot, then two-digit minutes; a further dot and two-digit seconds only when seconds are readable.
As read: 9.17
